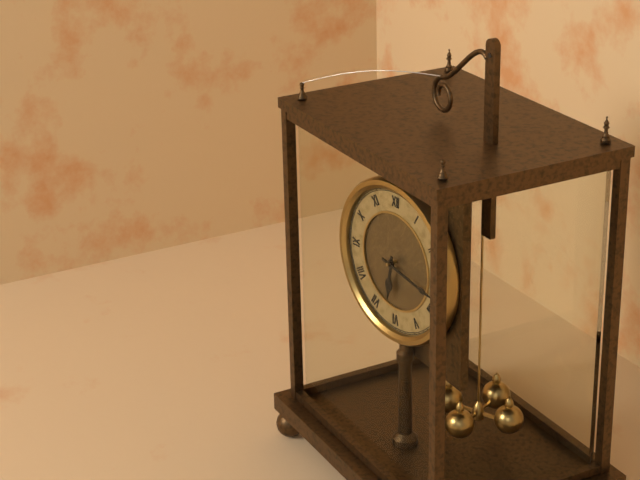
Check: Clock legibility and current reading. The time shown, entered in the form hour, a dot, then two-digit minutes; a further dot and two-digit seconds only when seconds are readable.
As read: 6.17
